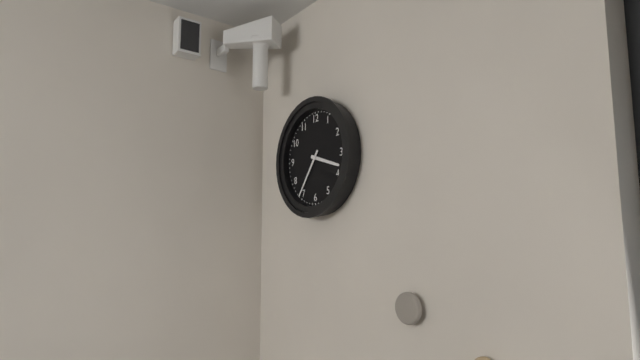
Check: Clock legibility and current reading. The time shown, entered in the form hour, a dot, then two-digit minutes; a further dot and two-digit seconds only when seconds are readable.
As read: 3.36
